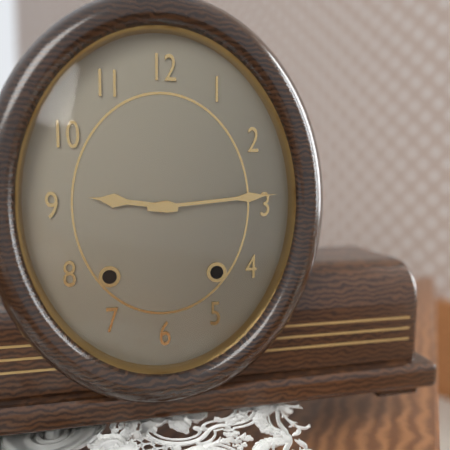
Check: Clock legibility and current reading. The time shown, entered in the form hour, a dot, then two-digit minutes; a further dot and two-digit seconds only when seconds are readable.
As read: 9.14
